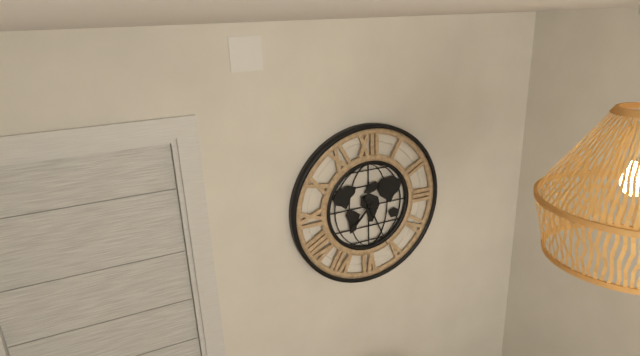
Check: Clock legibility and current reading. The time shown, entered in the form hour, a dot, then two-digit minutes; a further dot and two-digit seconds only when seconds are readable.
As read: 7.26
